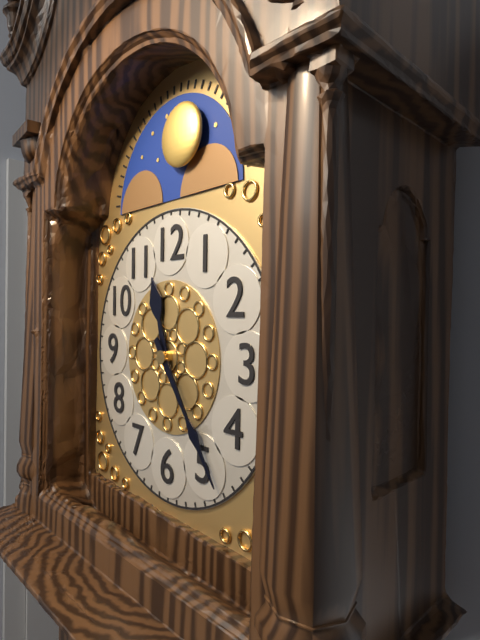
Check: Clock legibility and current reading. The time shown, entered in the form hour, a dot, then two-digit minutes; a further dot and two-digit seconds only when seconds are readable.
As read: 11.24
